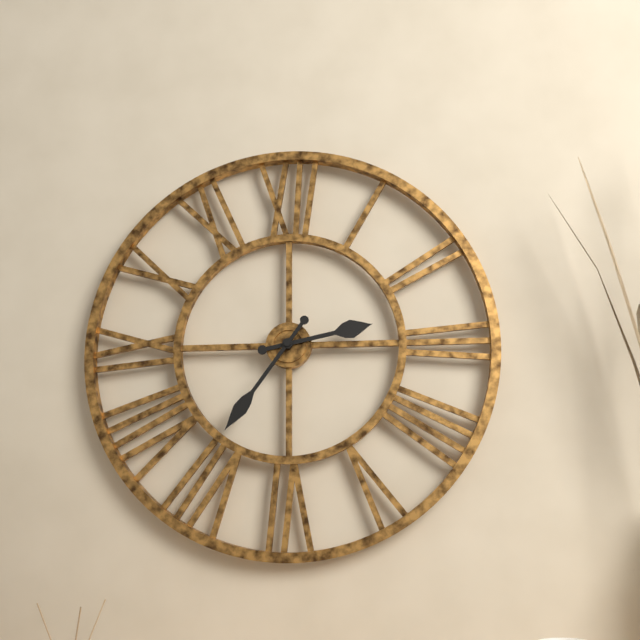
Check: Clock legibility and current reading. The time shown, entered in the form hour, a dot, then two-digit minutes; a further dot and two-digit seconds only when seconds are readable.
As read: 2.36
